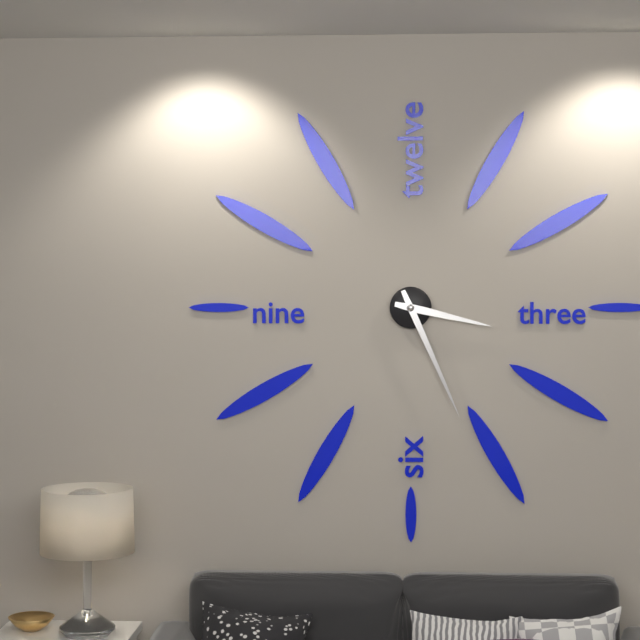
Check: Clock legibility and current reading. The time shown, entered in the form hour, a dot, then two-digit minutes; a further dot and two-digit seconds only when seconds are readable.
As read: 3.26
